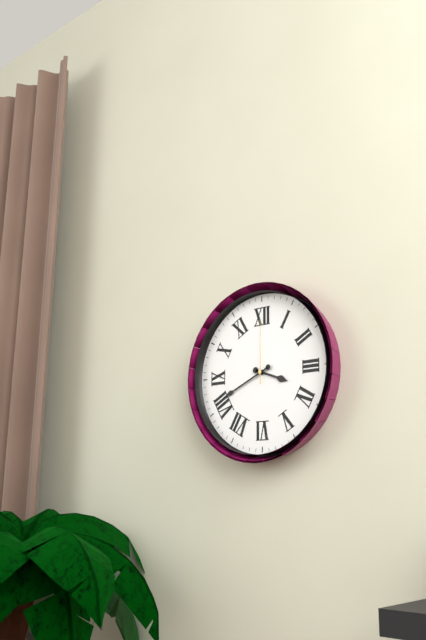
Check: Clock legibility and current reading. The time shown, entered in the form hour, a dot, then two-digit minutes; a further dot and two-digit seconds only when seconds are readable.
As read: 3.41.00
